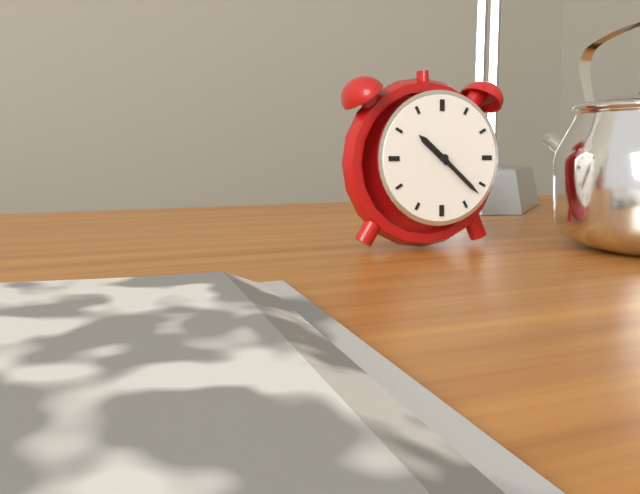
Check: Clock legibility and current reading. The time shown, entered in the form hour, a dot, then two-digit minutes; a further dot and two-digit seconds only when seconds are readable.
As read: 10.22
